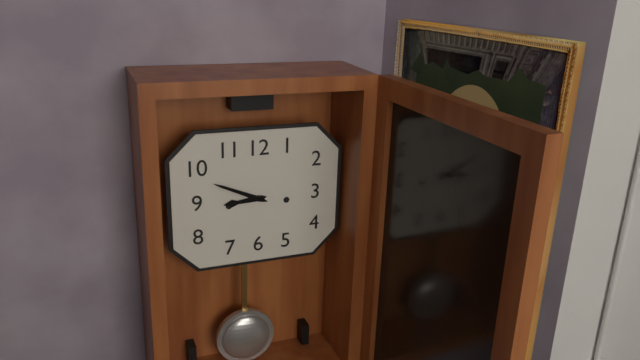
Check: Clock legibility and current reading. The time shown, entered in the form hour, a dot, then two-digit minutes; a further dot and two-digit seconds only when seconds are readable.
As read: 8.49
